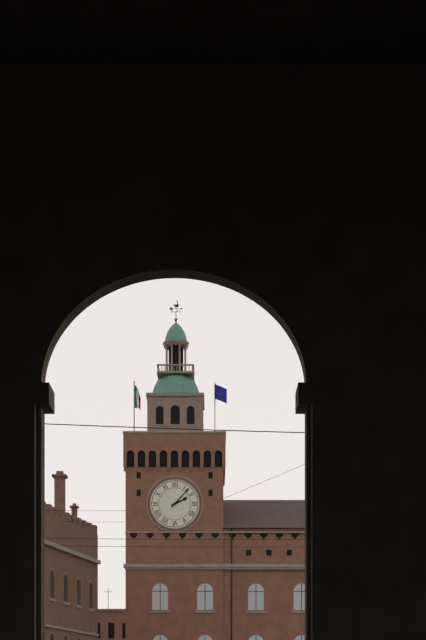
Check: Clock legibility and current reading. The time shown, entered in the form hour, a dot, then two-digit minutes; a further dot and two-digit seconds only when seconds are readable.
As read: 2.07
